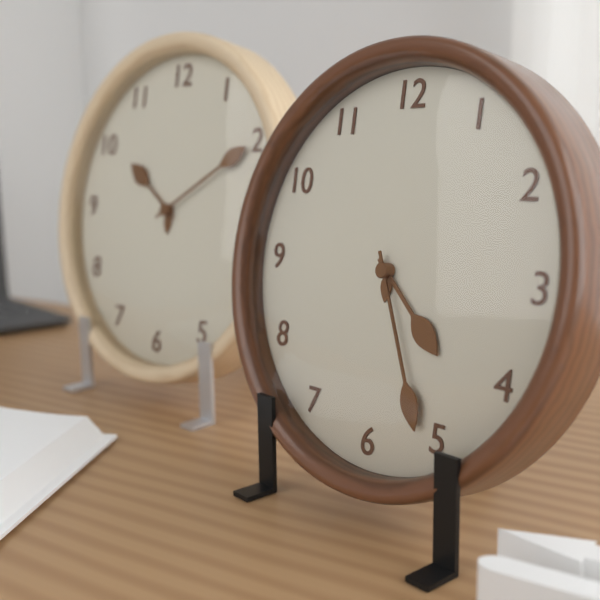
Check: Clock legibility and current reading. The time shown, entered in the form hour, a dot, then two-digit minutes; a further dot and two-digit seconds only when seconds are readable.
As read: 4.26
